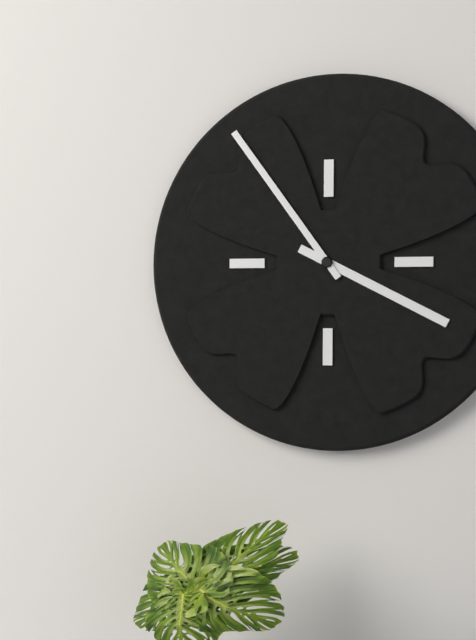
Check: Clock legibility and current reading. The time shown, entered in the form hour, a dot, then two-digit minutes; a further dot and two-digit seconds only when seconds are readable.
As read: 3.54
